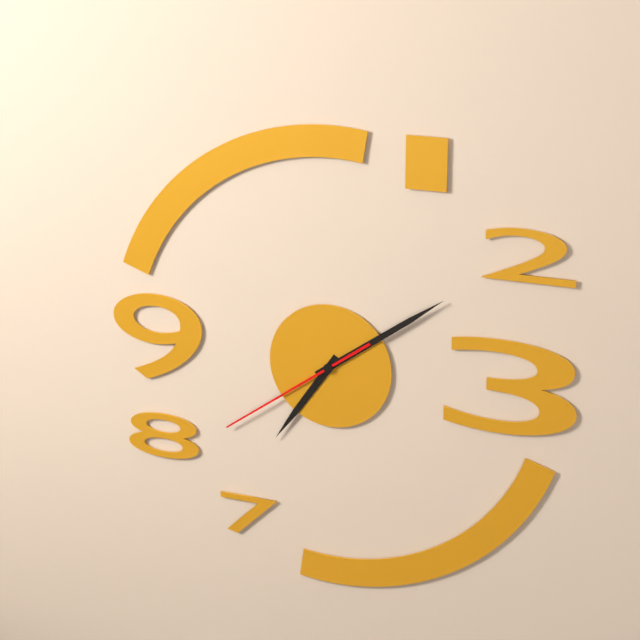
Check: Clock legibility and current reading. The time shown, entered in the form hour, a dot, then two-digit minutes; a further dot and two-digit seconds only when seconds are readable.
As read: 7.09.39
